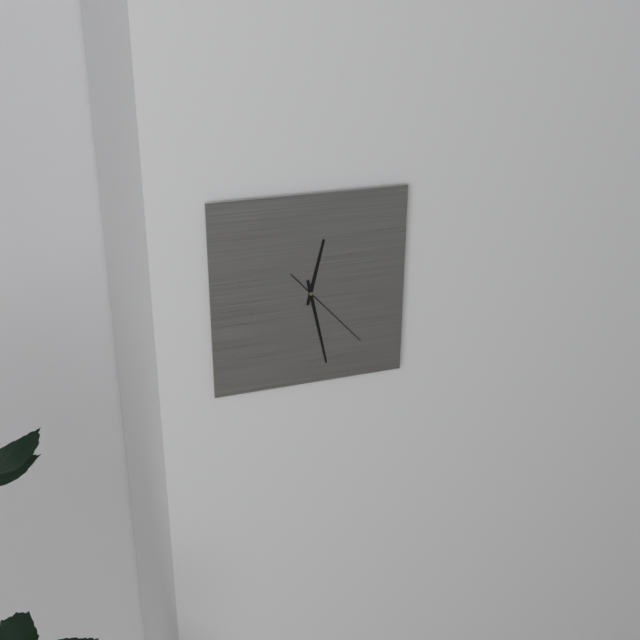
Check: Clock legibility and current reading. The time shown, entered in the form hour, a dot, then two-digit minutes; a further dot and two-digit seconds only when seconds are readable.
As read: 12.28.23
